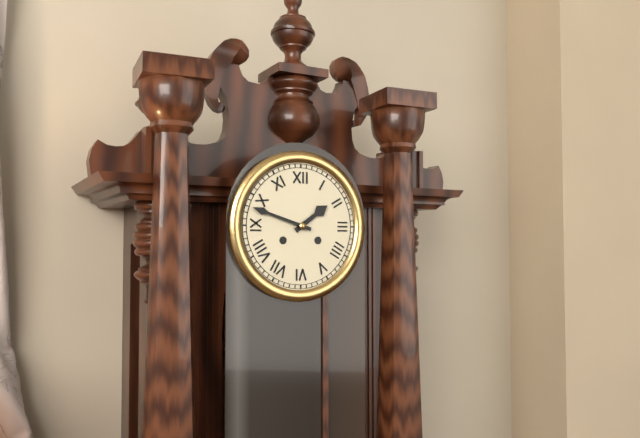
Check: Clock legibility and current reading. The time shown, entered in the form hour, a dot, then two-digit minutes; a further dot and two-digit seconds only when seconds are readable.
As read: 1.48
